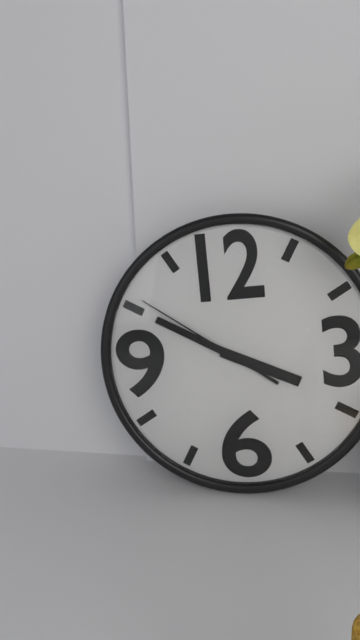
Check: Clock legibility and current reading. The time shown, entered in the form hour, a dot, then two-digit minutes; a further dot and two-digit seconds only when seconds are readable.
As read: 3.50.51
